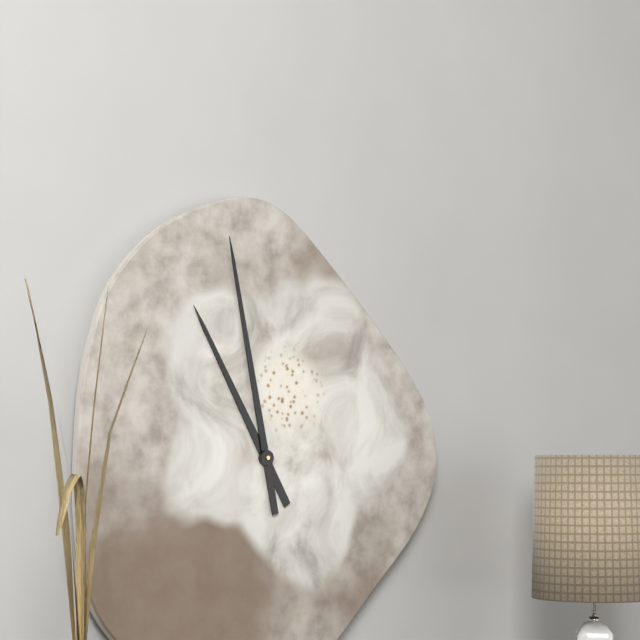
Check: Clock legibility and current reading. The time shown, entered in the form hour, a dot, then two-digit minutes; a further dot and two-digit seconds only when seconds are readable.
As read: 10.58
